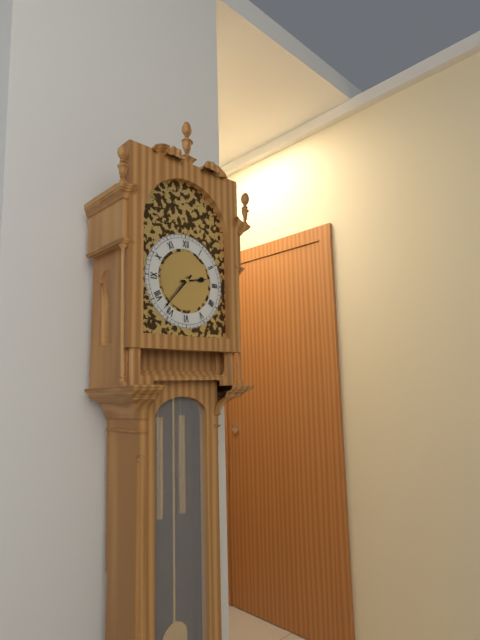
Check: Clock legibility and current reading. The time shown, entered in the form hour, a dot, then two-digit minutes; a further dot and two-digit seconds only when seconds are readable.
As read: 2.37
